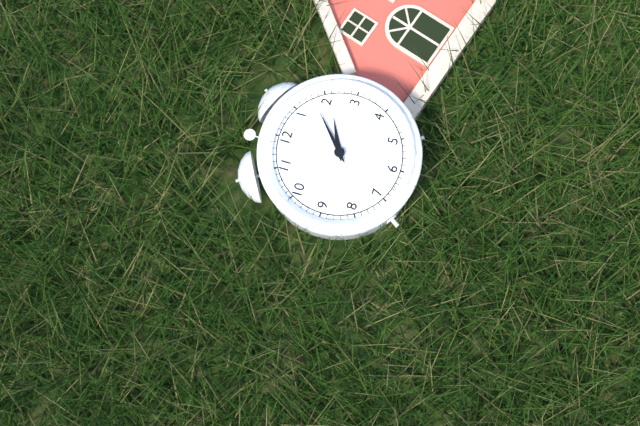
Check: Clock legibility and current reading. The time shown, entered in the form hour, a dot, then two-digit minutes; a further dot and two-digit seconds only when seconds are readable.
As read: 2.08
